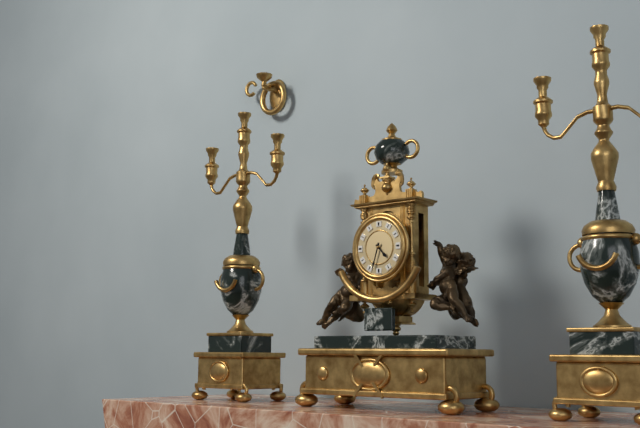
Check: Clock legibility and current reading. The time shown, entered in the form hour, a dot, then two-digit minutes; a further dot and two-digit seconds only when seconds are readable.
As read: 4.33
